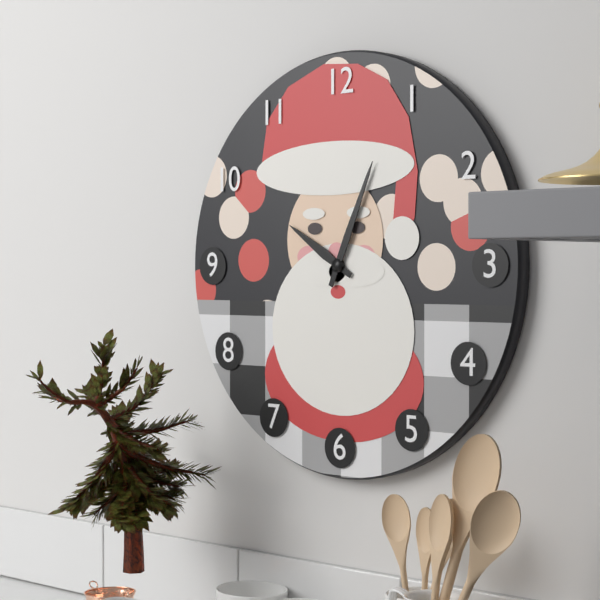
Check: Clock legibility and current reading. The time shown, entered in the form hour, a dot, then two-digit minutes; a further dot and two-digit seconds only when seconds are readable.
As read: 10.04
